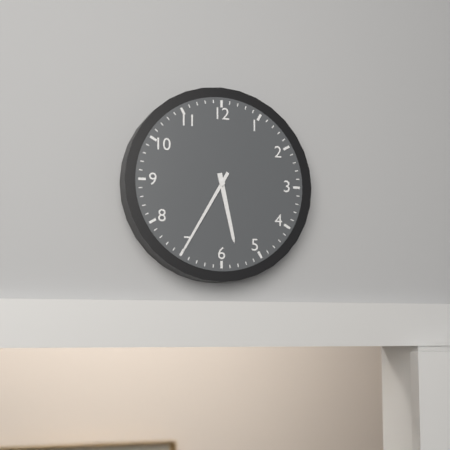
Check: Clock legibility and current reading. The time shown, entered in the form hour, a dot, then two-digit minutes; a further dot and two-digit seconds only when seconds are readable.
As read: 5.35
